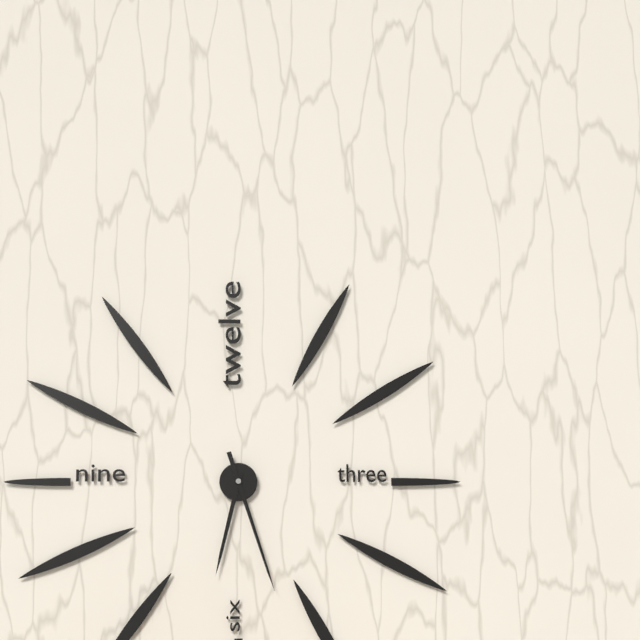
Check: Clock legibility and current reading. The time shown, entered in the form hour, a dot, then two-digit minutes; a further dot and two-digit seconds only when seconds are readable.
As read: 6.27
